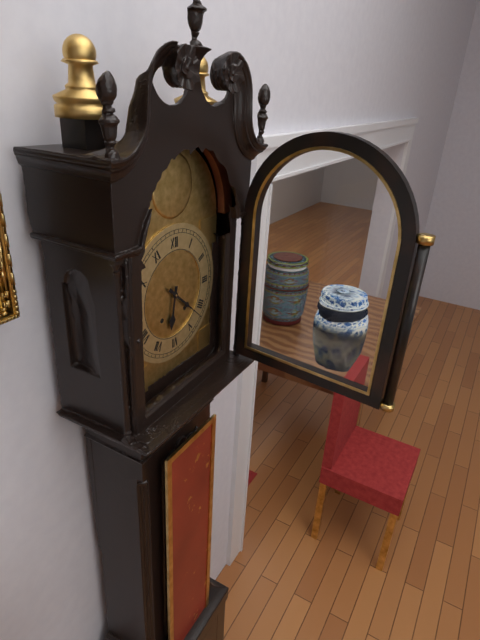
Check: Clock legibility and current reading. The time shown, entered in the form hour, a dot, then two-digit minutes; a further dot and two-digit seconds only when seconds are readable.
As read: 6.22
